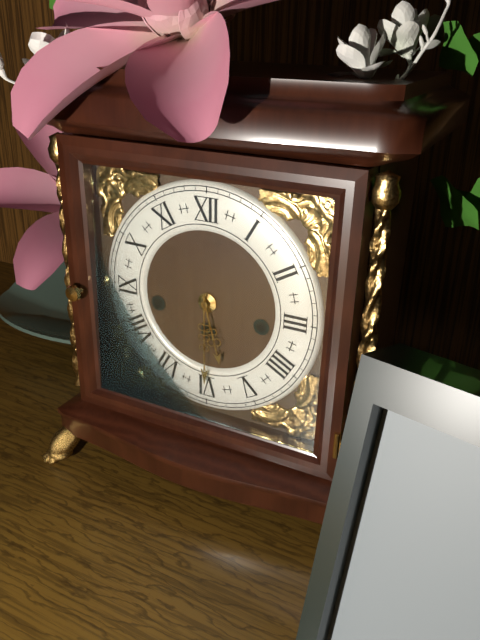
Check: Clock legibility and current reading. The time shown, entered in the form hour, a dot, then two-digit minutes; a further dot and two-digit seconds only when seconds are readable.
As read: 5.30
